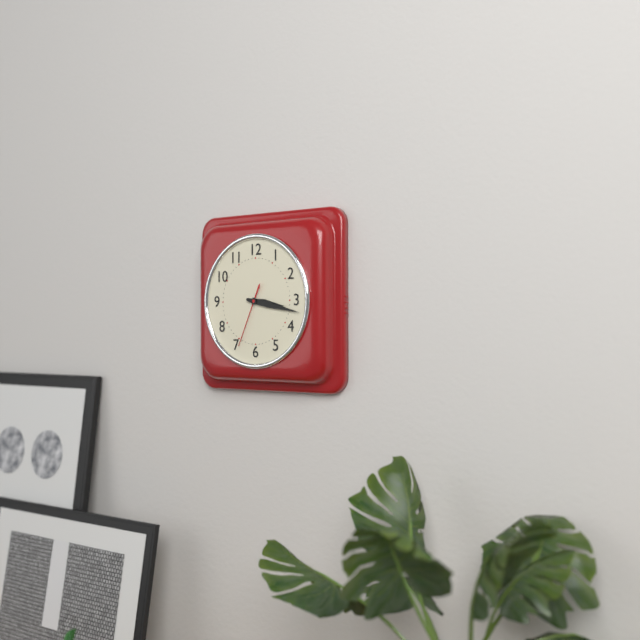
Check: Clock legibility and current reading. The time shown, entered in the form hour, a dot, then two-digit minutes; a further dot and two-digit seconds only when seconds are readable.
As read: 3.17.34
